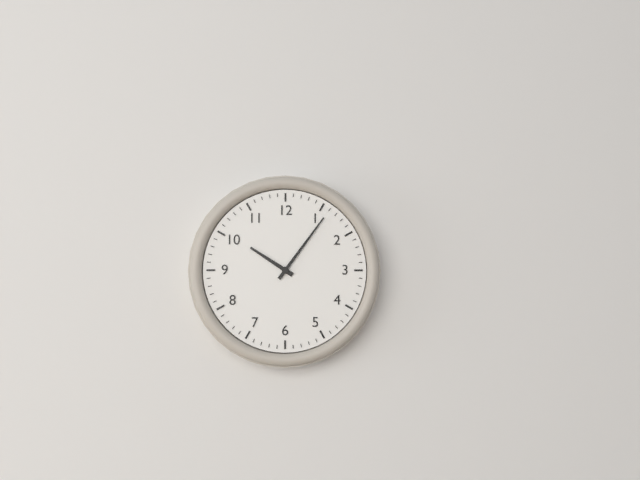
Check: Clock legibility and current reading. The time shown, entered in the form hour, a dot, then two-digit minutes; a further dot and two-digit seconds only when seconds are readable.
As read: 10.06
